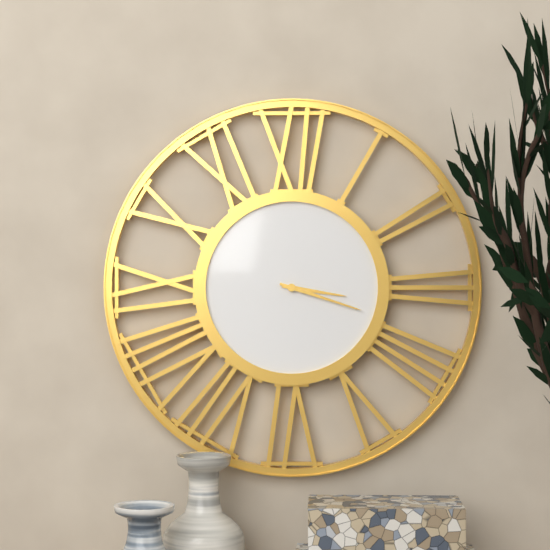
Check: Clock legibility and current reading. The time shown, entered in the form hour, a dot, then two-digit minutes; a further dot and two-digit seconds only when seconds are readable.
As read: 3.18
